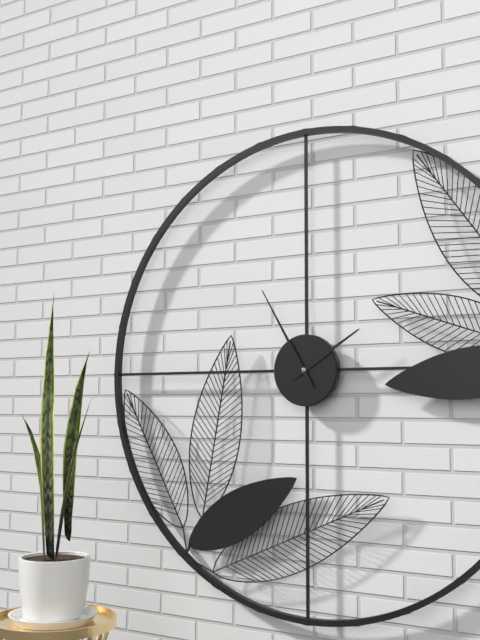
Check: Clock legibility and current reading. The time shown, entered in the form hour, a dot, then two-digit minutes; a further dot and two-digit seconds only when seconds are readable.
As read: 1.55
